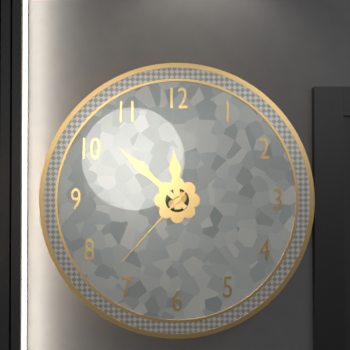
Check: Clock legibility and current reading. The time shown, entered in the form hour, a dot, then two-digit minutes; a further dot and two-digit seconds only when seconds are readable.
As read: 11.52.37
